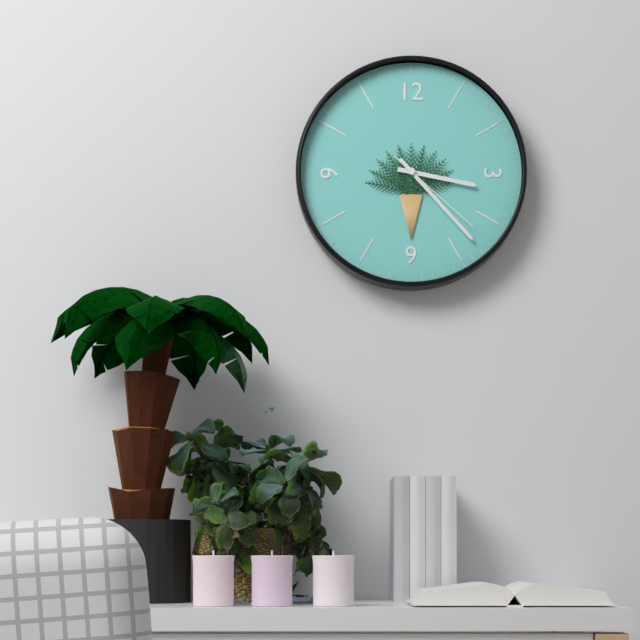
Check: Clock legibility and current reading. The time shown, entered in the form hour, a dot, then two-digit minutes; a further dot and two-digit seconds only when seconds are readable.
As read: 3.23.22
